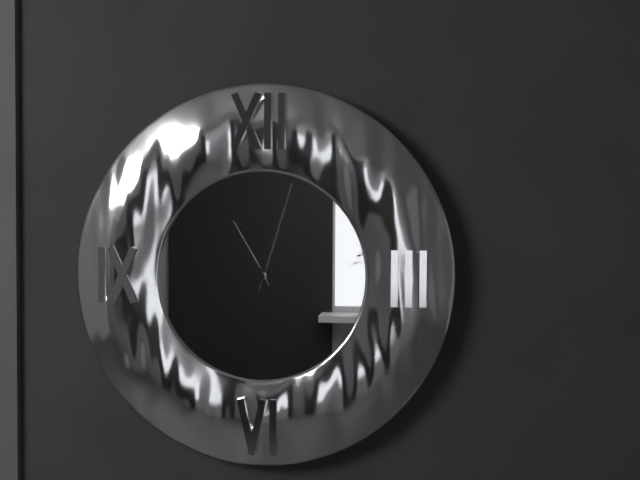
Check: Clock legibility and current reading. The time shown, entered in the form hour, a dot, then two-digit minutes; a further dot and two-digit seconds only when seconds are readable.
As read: 11.03
